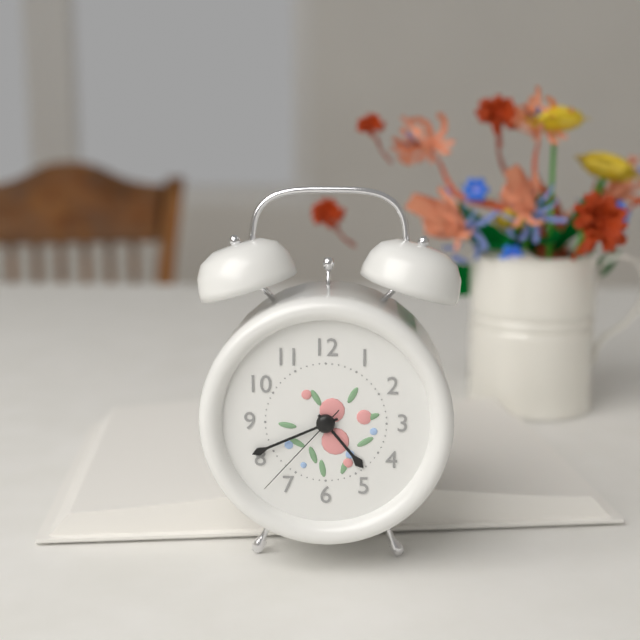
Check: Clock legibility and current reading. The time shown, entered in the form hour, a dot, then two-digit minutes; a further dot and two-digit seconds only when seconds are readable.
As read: 4.41.37
